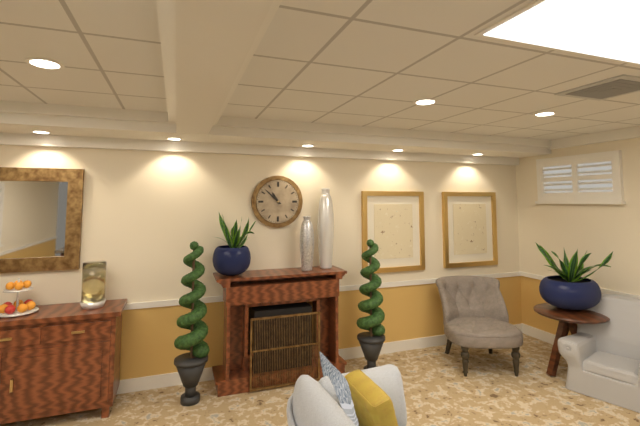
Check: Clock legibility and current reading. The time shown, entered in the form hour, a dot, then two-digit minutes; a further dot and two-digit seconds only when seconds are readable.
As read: 10.52
